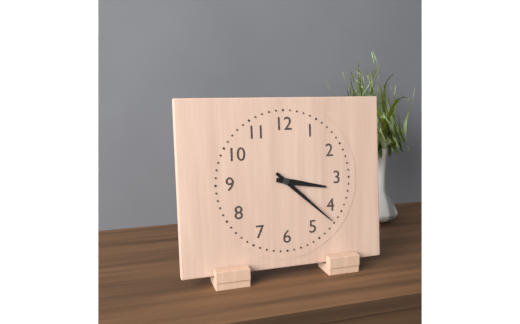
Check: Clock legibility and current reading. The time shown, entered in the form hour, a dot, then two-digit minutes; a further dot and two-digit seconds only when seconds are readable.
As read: 3.22
